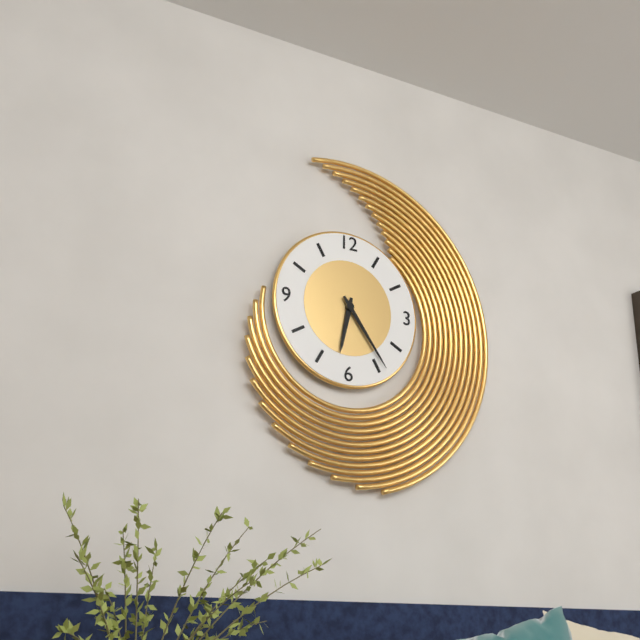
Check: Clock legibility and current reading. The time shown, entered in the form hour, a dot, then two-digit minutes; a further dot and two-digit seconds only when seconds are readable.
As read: 6.24
